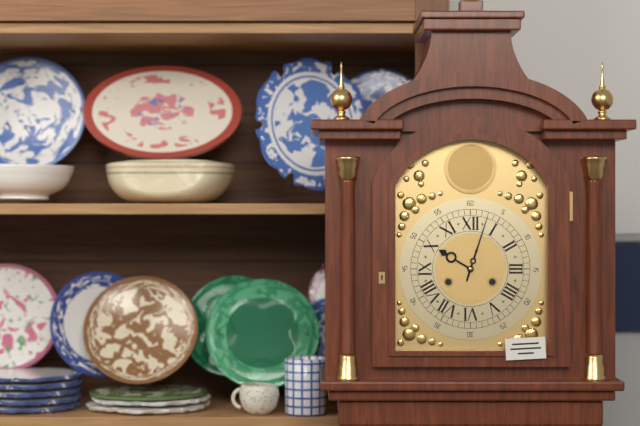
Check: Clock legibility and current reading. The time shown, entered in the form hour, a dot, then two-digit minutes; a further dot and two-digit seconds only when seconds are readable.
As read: 10.03
